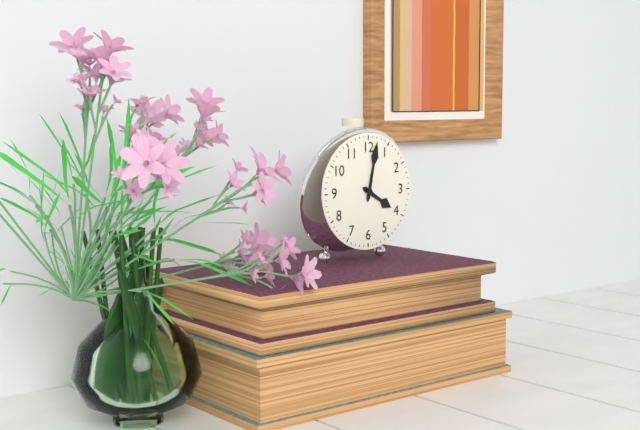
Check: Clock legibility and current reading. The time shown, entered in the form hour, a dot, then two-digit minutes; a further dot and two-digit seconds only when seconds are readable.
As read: 4.02
